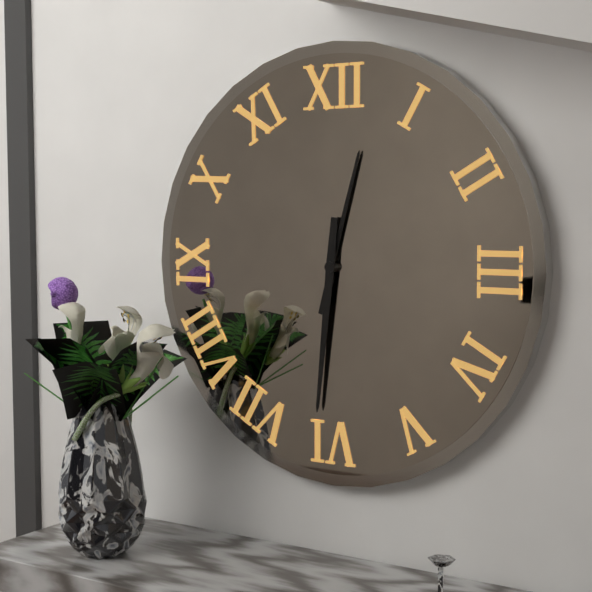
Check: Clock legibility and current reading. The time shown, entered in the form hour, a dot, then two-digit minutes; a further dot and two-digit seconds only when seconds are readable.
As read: 12.31
